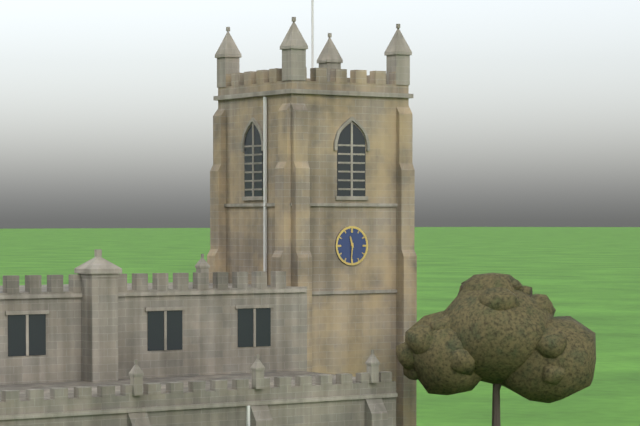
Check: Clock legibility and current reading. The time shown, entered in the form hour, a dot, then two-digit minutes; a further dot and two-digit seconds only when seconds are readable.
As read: 11.31
